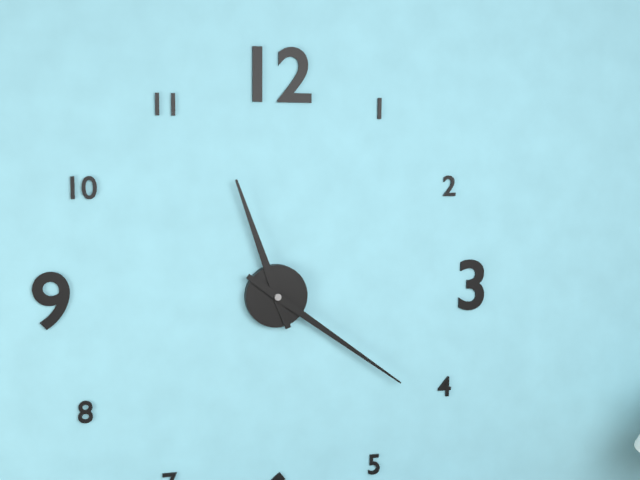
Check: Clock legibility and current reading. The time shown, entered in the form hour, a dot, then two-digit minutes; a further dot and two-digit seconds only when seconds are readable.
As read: 11.21
